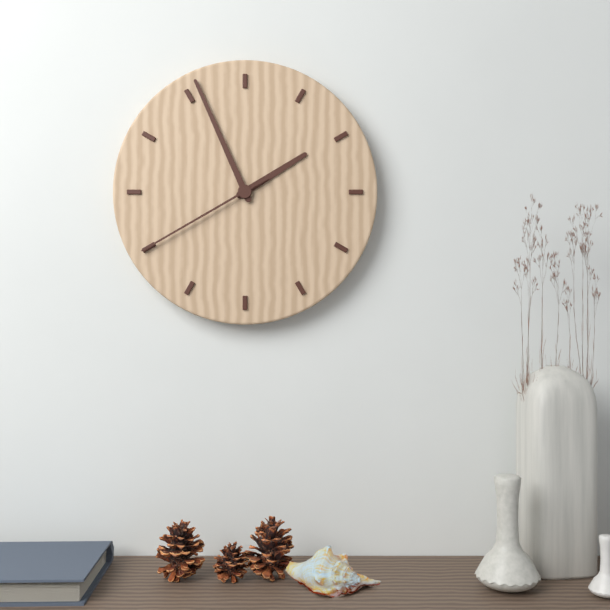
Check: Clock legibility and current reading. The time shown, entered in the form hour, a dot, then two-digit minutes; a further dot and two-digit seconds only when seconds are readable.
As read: 1.56.40
